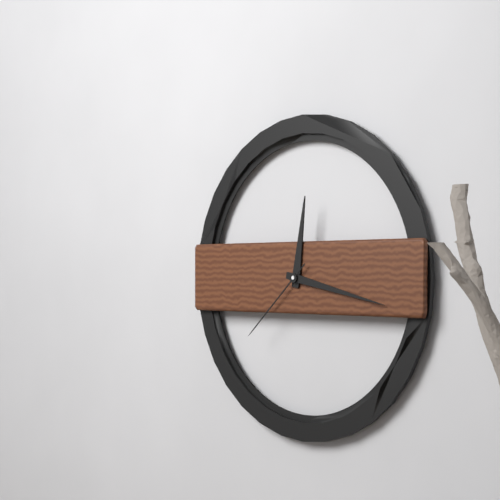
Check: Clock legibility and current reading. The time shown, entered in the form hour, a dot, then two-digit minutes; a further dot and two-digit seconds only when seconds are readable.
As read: 12.17.38
